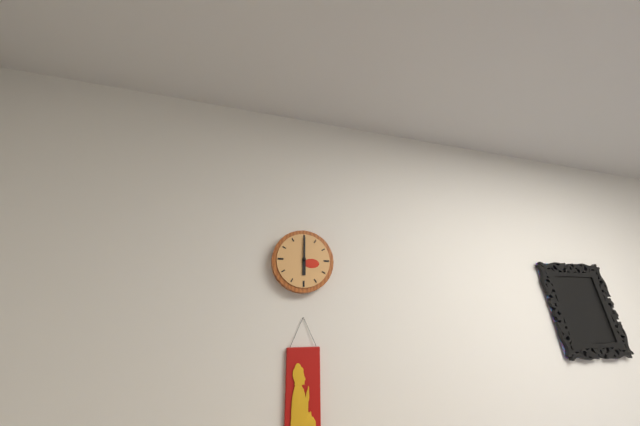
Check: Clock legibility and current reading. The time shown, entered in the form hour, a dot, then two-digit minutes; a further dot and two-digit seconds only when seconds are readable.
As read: 6.00
